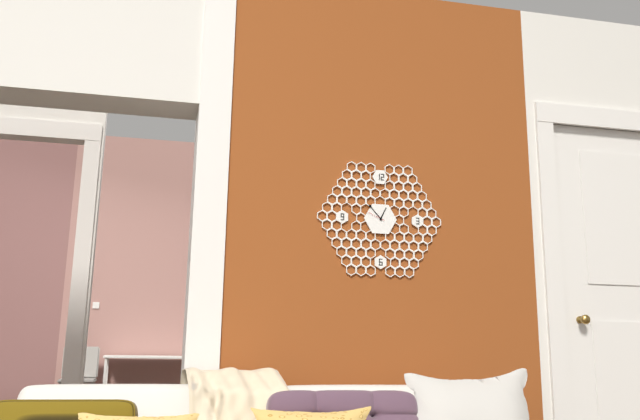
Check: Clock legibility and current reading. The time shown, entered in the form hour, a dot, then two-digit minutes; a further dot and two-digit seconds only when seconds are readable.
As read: 12.53
